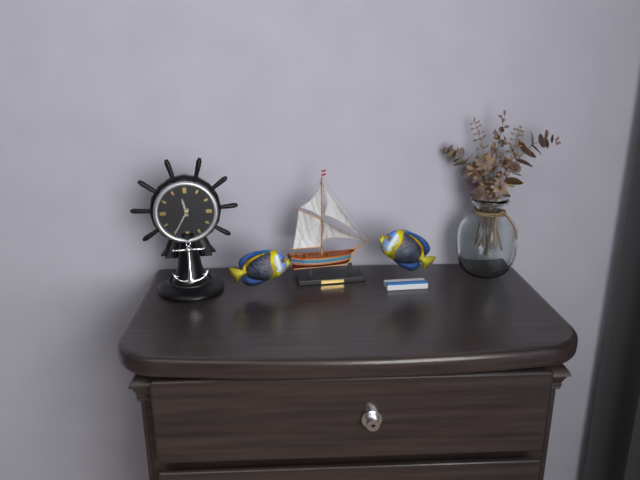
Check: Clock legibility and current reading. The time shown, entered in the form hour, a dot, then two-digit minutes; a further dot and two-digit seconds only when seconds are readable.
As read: 11.35
